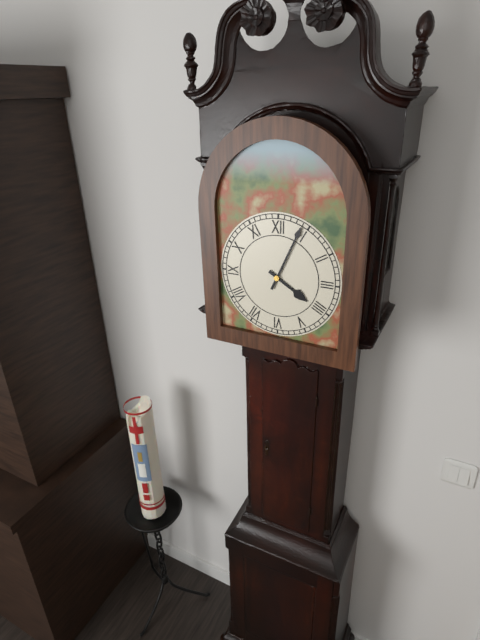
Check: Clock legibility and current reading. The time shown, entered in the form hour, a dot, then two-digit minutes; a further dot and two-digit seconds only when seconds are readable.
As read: 4.04
